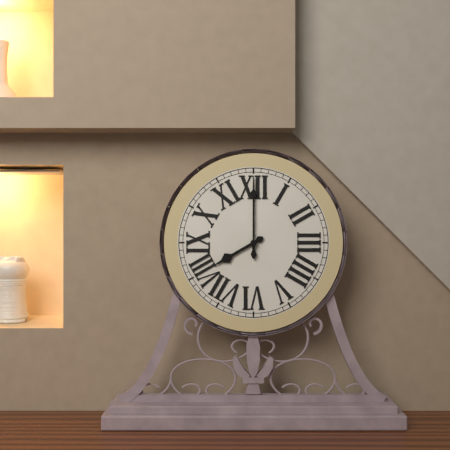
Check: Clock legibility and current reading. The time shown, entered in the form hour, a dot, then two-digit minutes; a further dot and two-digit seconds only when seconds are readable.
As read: 8.00
